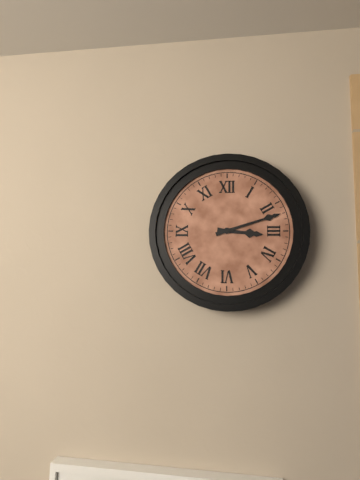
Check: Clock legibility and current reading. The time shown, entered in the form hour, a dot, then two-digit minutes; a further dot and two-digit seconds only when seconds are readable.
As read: 3.12
